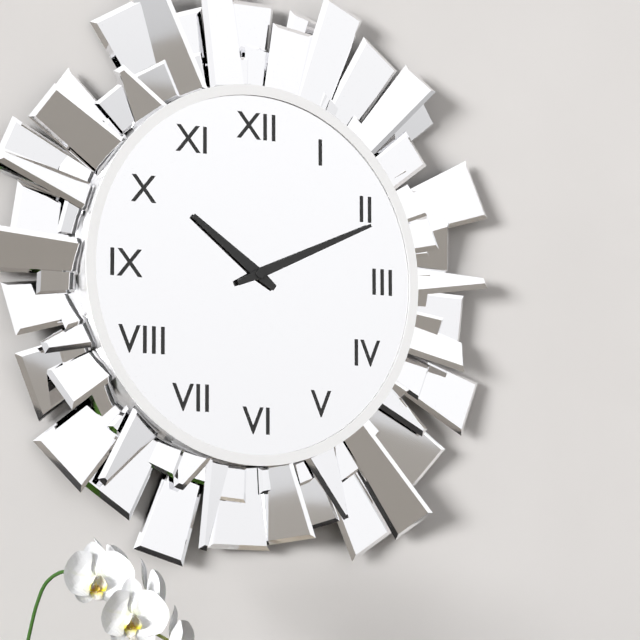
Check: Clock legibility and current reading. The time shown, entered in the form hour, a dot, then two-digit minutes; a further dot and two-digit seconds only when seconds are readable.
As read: 10.11
